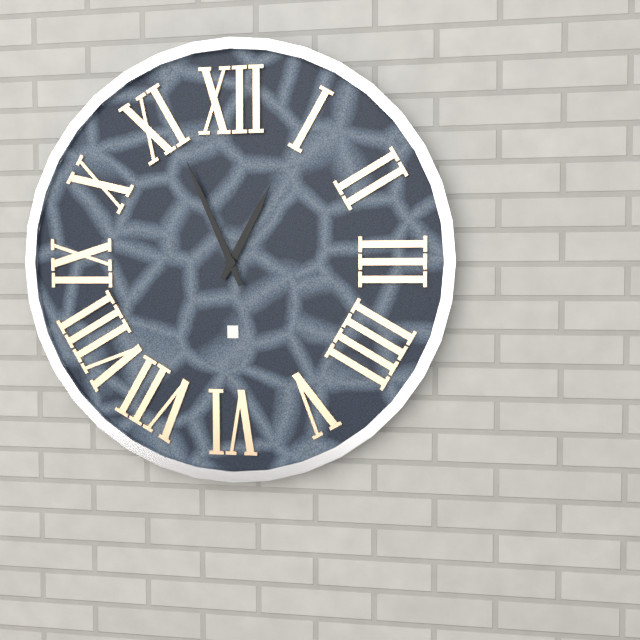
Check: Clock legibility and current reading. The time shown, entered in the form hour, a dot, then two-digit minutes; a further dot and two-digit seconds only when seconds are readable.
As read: 12.56
